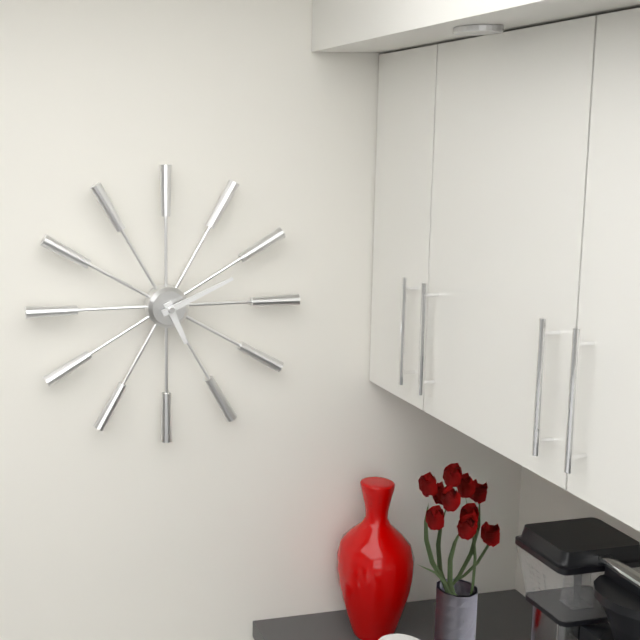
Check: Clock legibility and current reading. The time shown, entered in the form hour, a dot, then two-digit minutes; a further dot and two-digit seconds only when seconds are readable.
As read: 5.11
